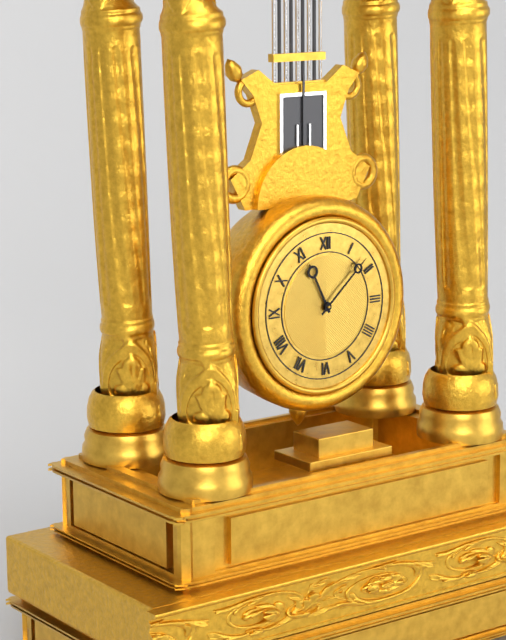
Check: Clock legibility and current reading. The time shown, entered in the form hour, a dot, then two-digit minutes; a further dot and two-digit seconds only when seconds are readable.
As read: 11.08
